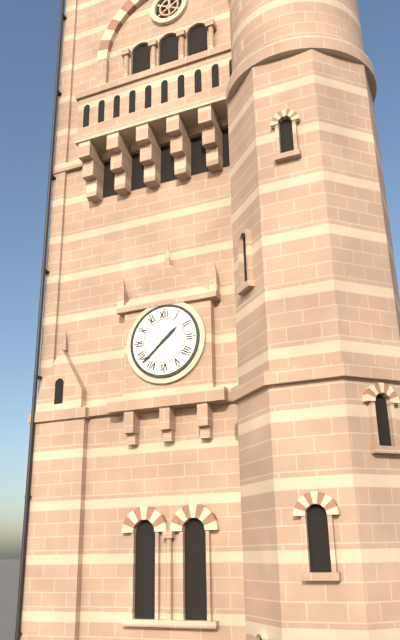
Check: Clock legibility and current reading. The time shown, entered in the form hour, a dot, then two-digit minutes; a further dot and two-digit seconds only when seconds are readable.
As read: 1.38
